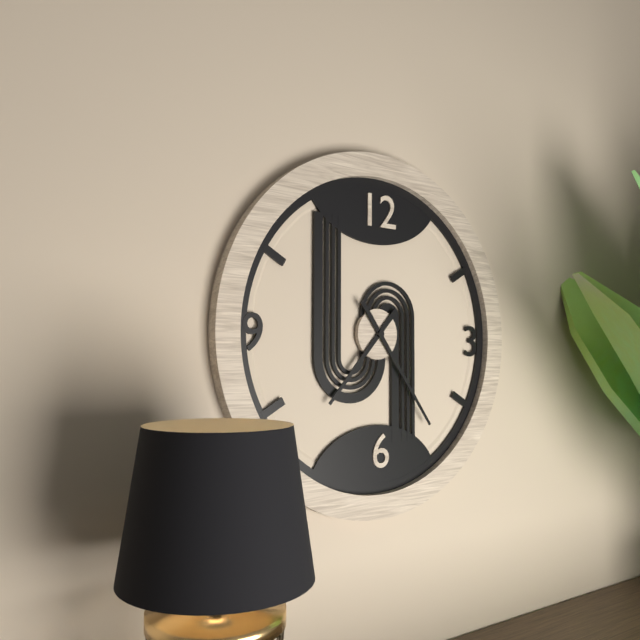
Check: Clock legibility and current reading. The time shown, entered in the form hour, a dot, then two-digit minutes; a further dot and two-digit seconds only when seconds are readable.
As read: 7.24
